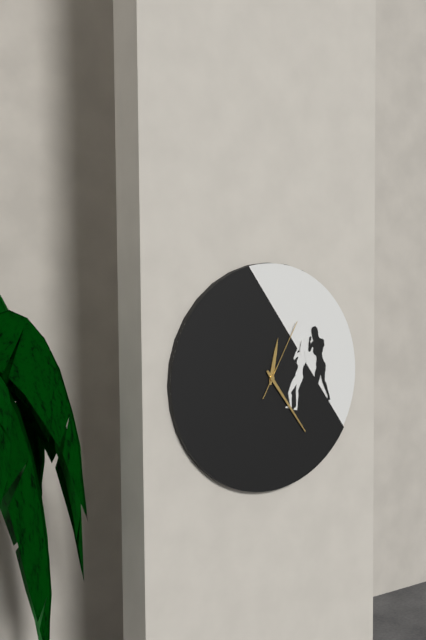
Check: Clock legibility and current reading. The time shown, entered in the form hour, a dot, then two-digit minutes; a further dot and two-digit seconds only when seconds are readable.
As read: 12.24.05
